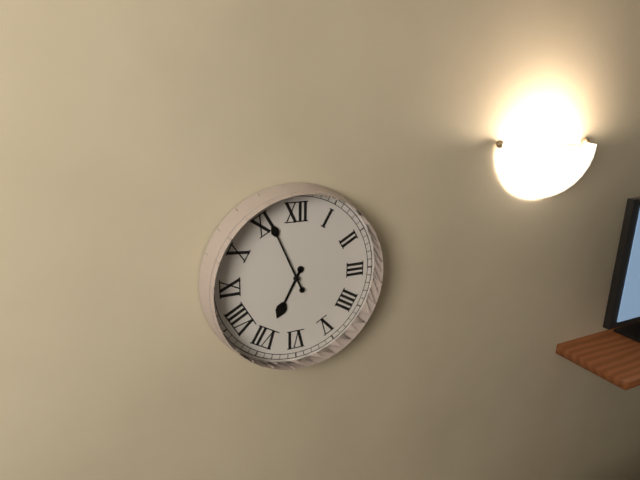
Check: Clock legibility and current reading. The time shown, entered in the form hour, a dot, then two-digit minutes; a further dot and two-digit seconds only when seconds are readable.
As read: 6.56
